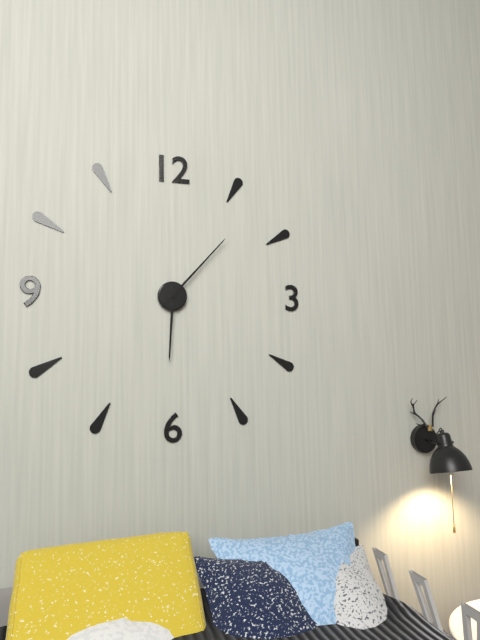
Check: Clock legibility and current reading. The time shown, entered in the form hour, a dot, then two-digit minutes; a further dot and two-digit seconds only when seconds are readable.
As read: 6.07
